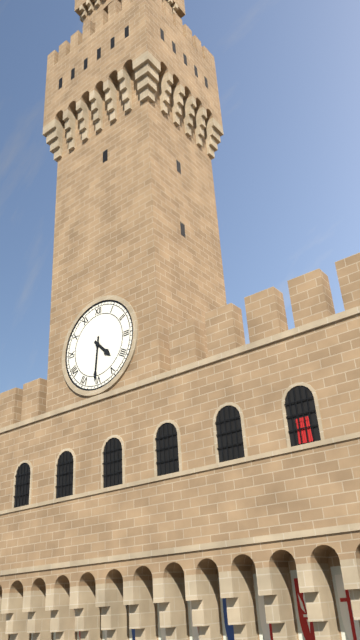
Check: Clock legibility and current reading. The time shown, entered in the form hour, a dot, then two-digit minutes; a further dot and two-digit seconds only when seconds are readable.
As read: 4.31
